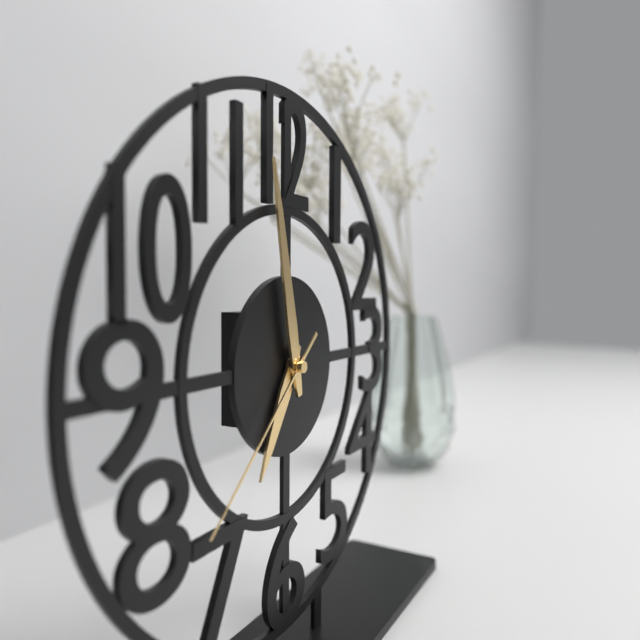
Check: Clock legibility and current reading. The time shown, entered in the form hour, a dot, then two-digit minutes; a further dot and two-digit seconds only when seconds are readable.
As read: 6.58.38
